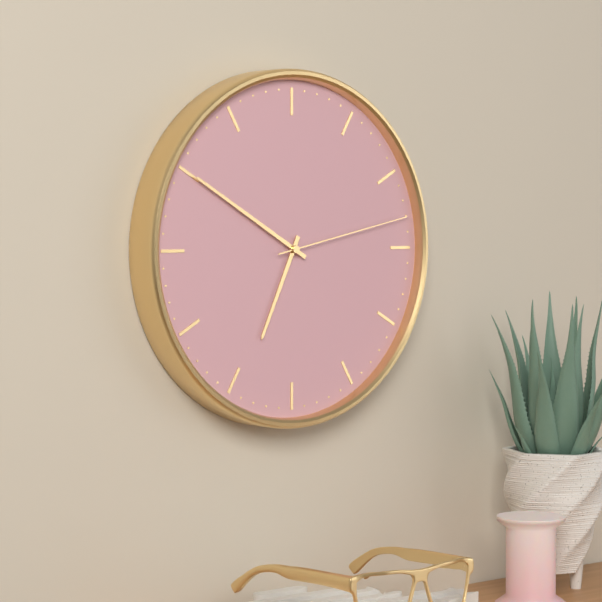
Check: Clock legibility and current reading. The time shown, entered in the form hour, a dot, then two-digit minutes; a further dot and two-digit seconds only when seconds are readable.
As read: 6.50.13
